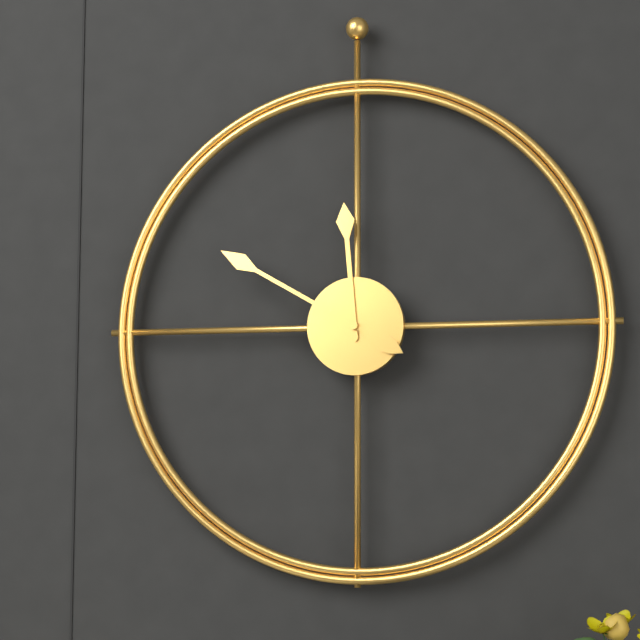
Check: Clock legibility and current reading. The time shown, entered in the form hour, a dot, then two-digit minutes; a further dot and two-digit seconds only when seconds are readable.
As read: 11.50
